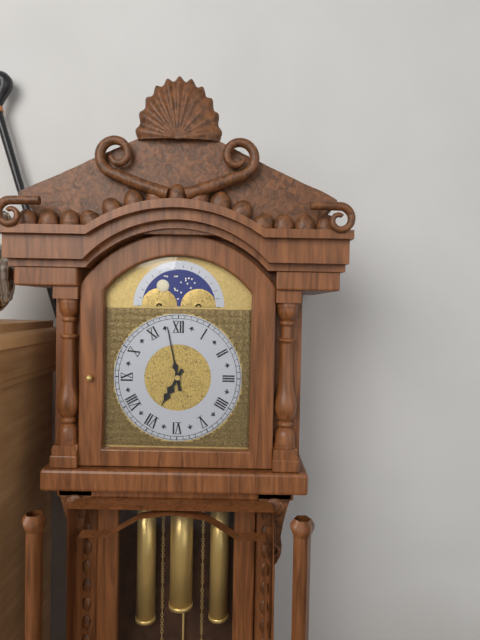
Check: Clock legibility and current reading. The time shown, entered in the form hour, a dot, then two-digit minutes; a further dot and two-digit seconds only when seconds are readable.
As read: 6.58
